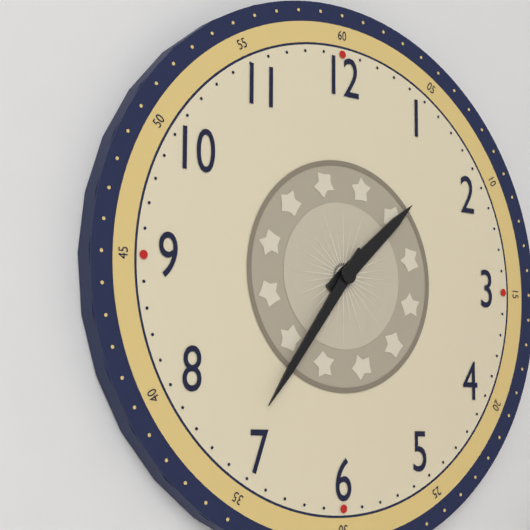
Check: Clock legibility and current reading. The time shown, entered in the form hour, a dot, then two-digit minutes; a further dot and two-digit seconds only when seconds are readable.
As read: 1.36
